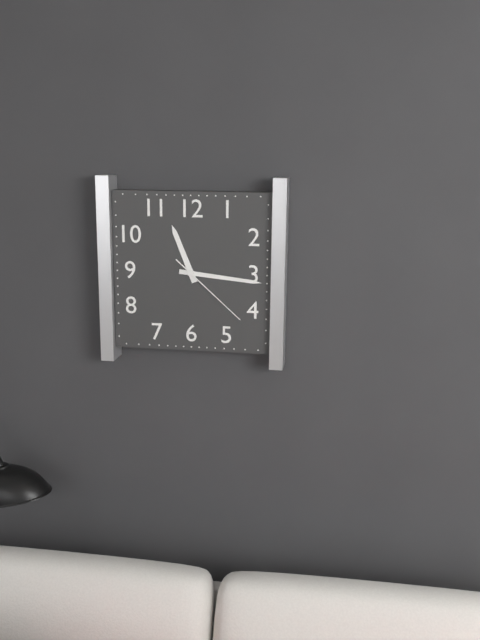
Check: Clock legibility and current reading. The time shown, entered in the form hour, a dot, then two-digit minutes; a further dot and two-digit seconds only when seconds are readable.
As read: 11.16.22
